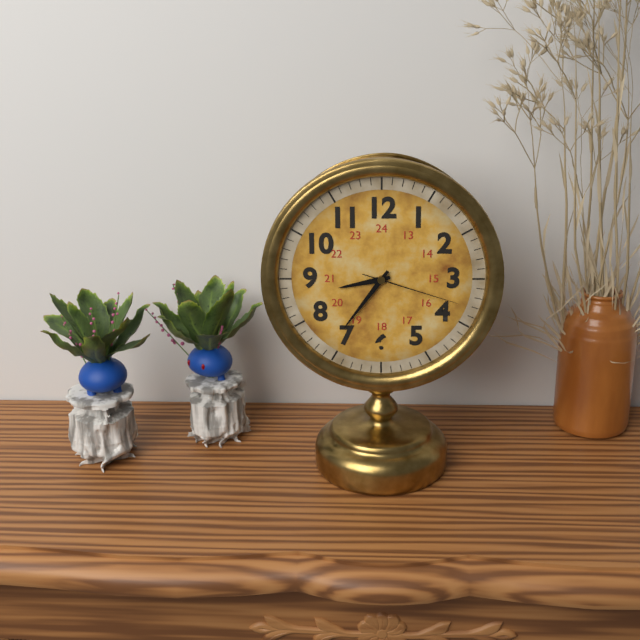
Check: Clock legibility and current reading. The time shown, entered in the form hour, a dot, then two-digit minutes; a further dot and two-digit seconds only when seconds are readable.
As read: 8.36.18
